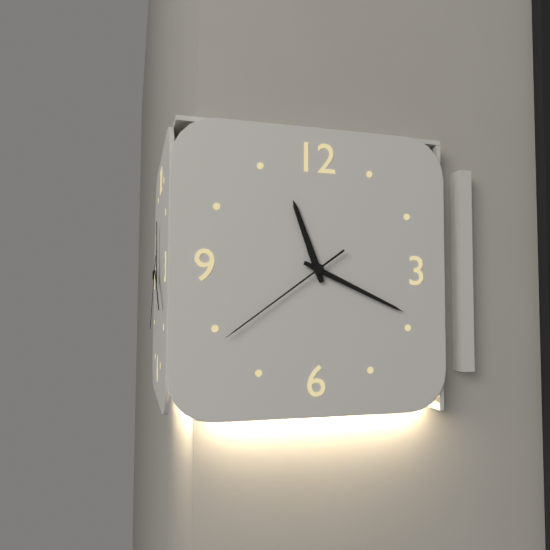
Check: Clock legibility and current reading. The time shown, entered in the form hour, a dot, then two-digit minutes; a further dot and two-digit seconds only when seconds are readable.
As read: 11.19.39
